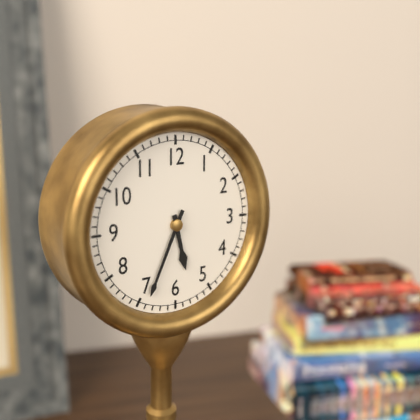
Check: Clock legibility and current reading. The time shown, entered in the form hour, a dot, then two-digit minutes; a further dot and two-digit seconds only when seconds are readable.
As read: 5.34
